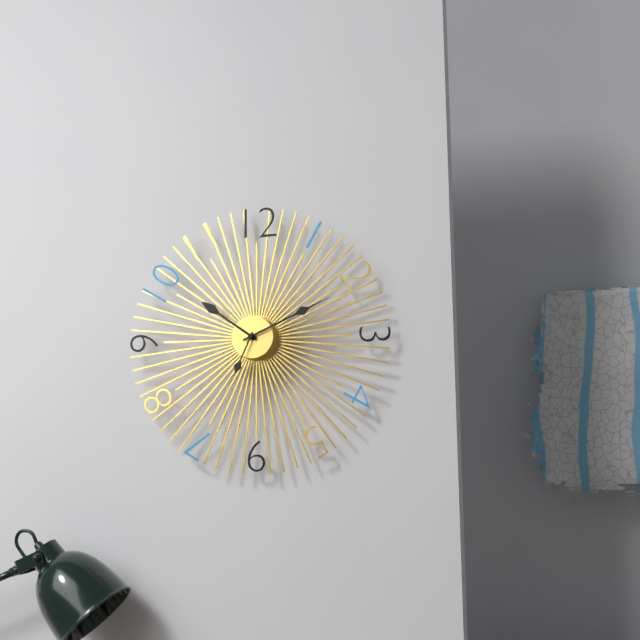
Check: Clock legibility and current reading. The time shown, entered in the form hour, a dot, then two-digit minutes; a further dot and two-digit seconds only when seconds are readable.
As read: 10.11.34
